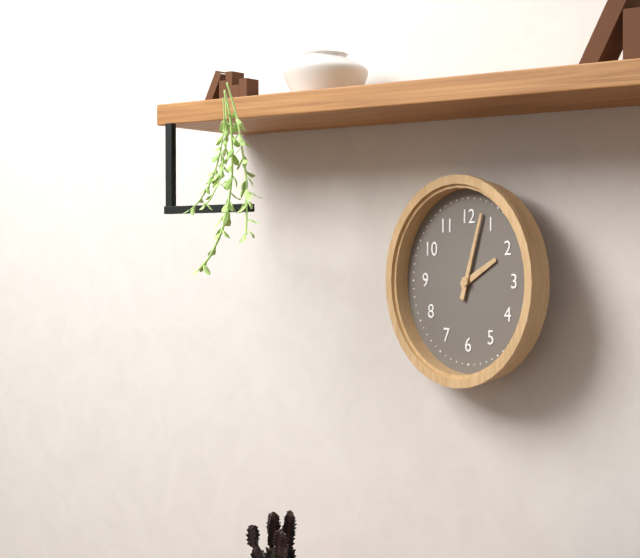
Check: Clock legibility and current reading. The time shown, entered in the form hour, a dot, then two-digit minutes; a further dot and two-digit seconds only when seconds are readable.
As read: 2.03
